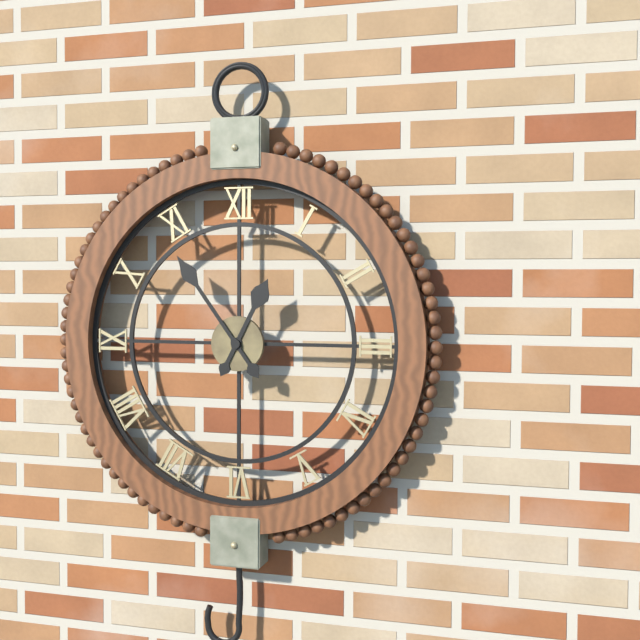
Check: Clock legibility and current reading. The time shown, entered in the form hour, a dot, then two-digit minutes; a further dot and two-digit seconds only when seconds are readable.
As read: 12.54
